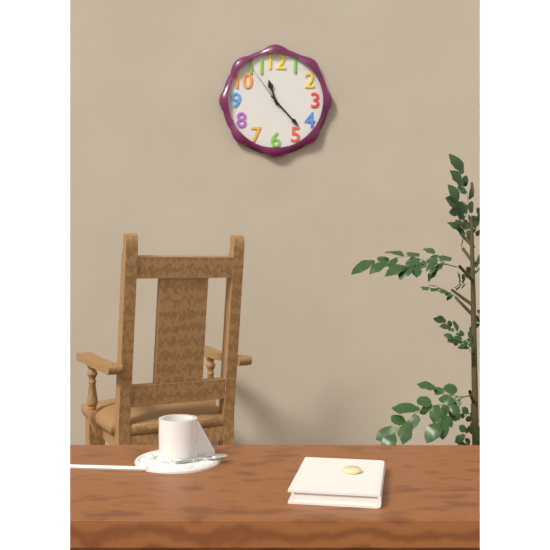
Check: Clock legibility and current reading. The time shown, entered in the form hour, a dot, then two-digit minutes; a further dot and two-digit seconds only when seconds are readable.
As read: 11.23.54
